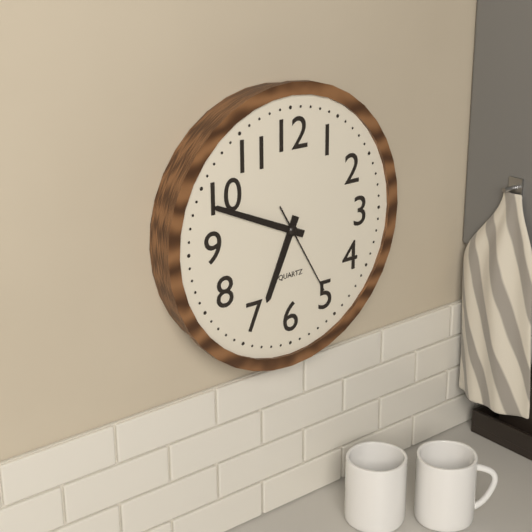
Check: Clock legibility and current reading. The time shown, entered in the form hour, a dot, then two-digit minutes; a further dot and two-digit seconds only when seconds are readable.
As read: 6.49.25
